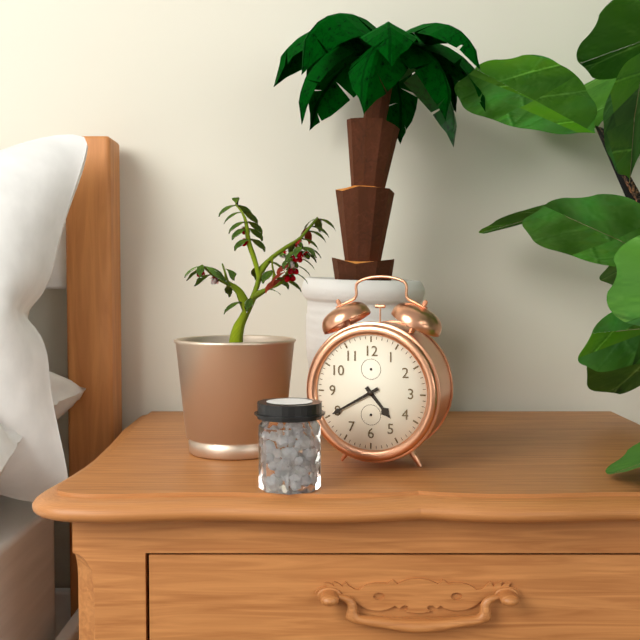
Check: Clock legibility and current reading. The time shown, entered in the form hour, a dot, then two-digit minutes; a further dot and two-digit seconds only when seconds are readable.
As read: 4.40
